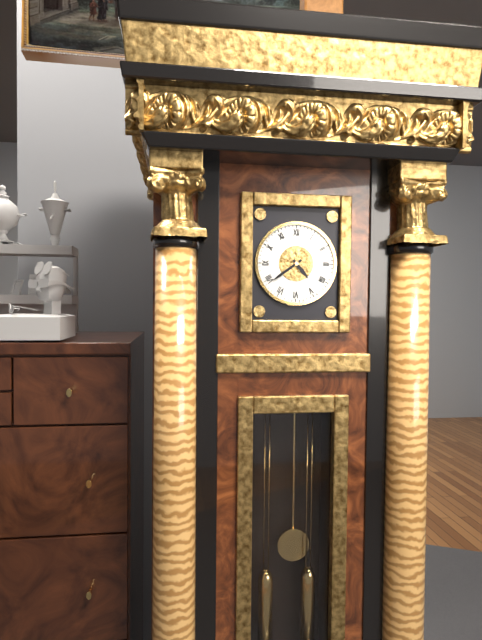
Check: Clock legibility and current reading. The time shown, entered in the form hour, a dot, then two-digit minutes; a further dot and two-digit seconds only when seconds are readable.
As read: 4.39
